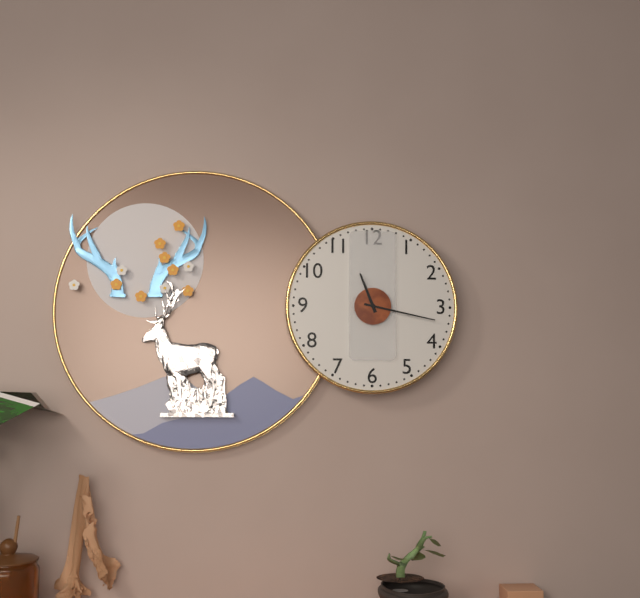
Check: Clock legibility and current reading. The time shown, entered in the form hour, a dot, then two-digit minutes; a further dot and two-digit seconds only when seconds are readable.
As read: 11.17
